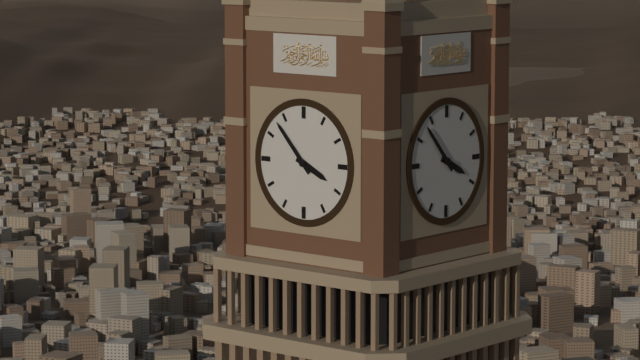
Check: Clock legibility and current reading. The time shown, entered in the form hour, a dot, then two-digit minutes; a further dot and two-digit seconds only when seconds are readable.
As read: 3.53
